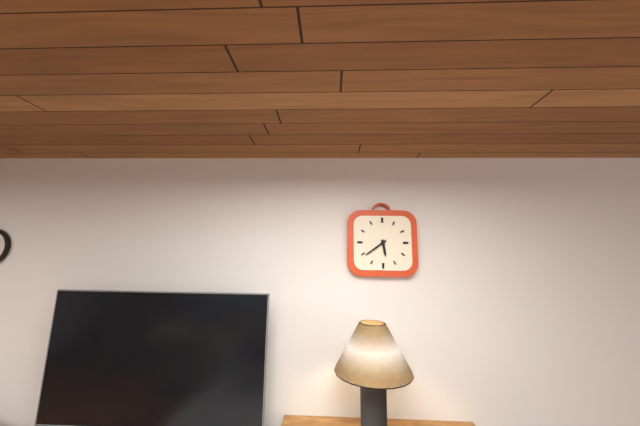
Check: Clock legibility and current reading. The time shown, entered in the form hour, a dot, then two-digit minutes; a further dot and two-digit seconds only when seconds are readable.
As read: 5.39
